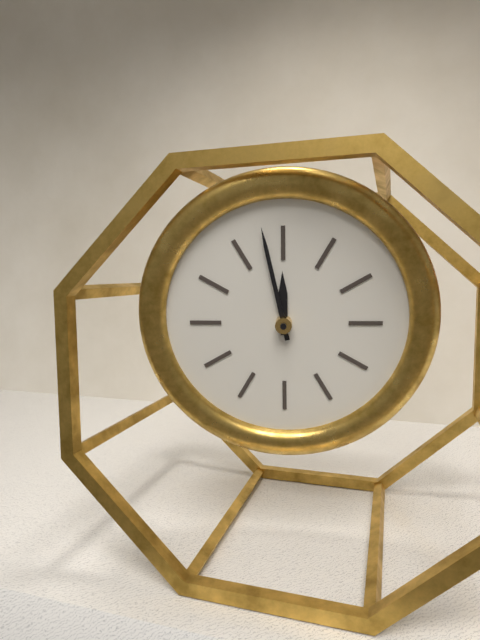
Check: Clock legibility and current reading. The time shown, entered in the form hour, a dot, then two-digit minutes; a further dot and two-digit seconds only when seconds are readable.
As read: 11.58
